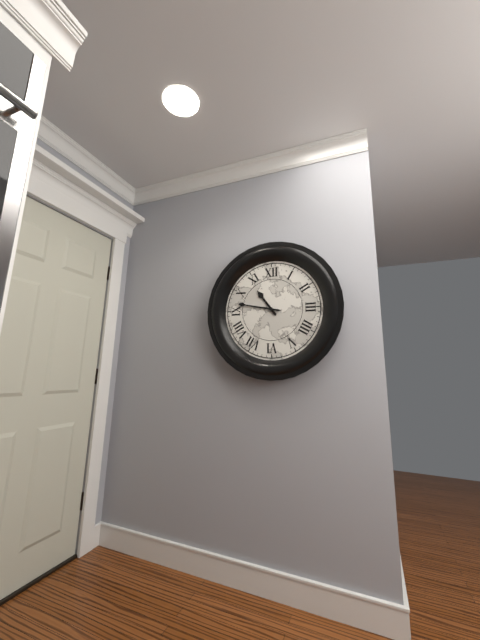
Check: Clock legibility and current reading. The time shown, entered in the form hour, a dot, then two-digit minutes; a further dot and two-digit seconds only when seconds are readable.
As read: 10.47
